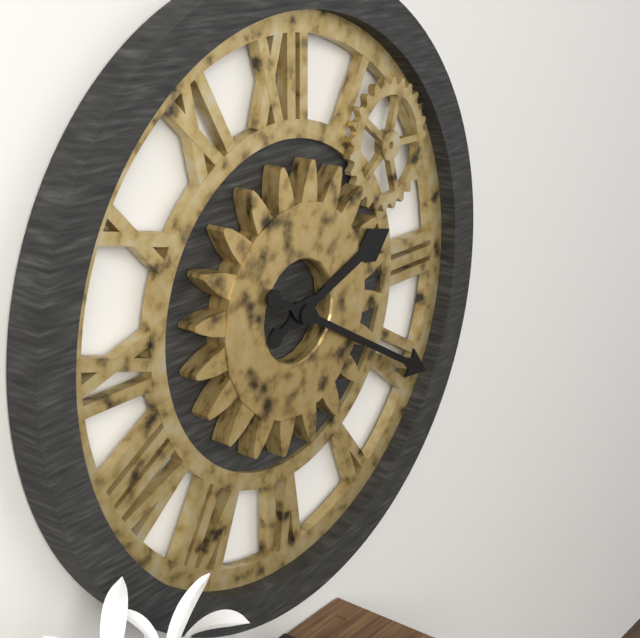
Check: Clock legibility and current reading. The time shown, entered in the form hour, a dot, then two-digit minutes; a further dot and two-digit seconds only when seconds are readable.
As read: 2.20
